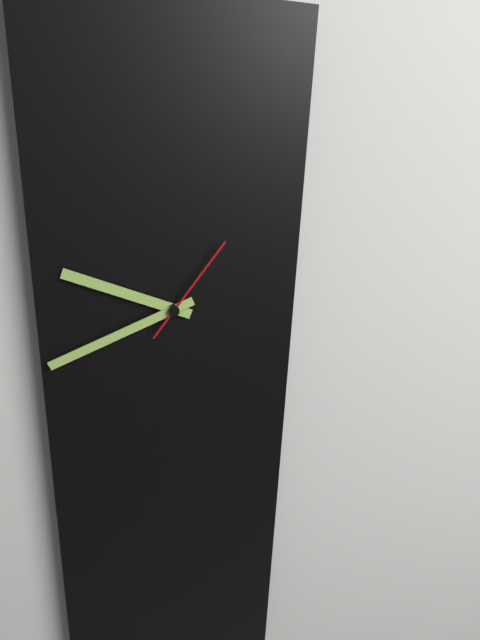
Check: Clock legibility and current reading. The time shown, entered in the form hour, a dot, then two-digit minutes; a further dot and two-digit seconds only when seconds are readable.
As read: 9.41.06
